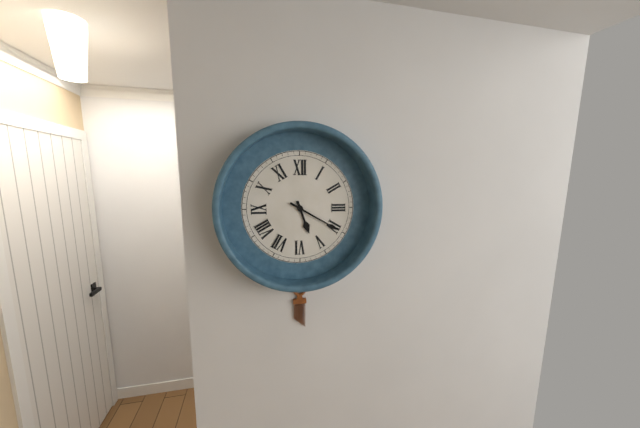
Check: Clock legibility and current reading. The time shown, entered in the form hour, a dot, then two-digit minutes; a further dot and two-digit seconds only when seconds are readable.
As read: 5.20
